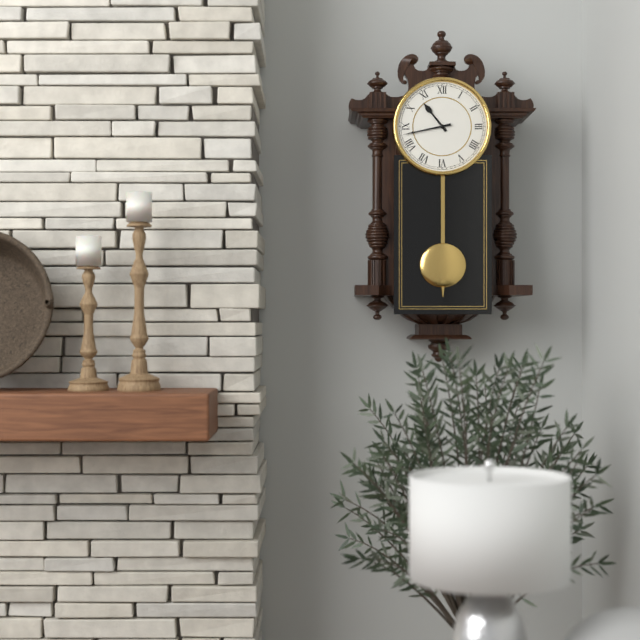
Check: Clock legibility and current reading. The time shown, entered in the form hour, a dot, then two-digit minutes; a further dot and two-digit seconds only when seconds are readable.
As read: 10.43
